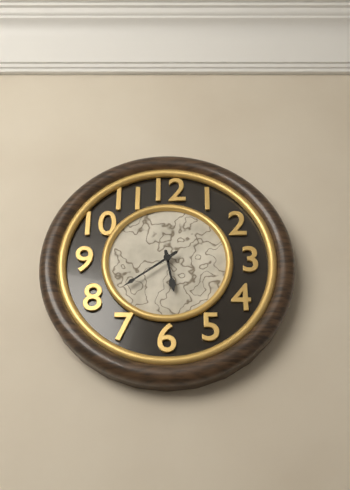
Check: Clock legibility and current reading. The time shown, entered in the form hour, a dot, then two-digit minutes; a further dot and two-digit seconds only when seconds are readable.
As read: 5.39
